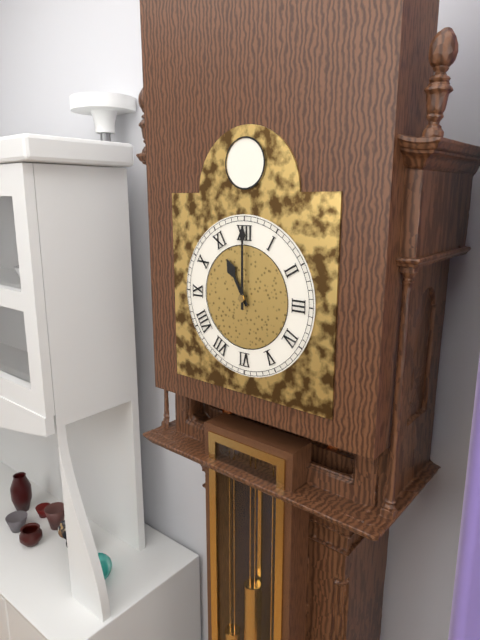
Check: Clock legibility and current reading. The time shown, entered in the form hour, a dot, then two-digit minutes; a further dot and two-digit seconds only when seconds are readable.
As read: 11.00
